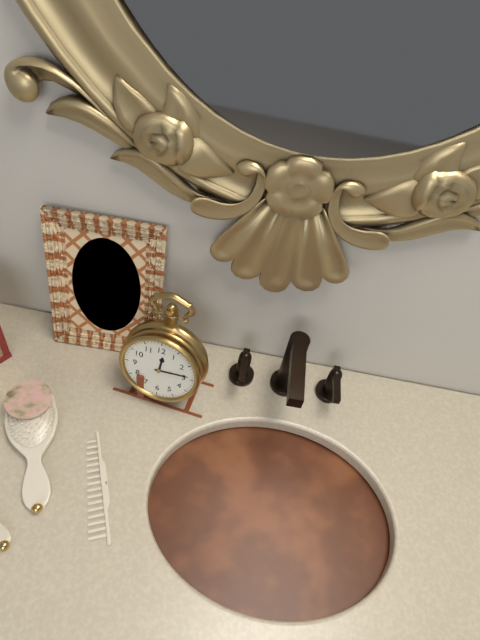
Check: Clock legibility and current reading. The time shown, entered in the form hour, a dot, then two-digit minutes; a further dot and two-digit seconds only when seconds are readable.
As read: 12.14
